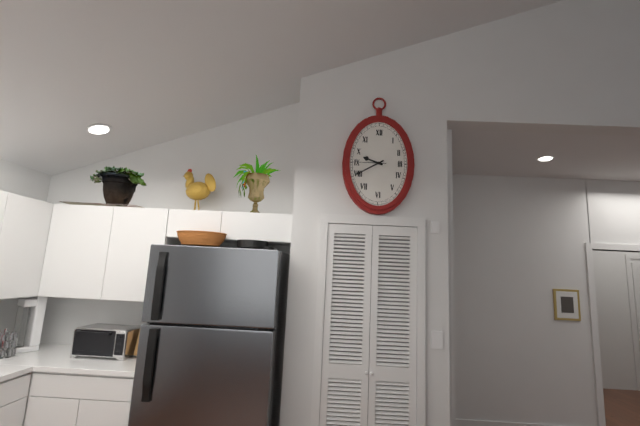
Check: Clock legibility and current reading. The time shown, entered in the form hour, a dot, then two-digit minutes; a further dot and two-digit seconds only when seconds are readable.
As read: 9.40
